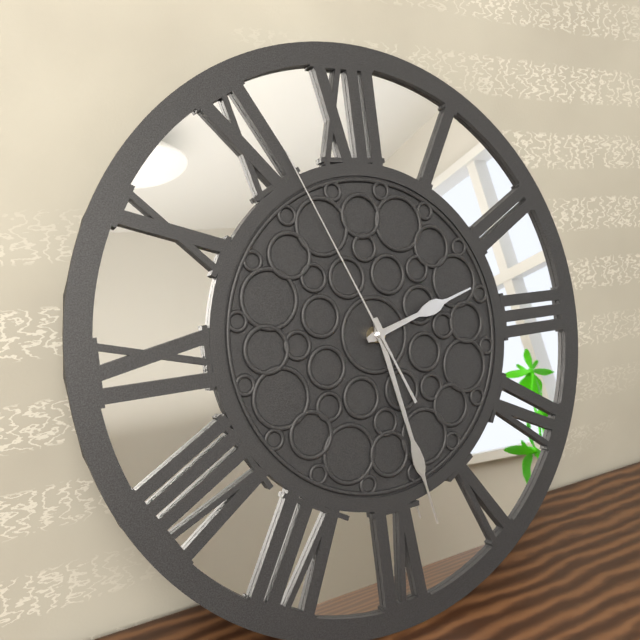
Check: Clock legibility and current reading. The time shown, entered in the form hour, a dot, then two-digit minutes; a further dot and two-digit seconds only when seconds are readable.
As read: 2.28.56
